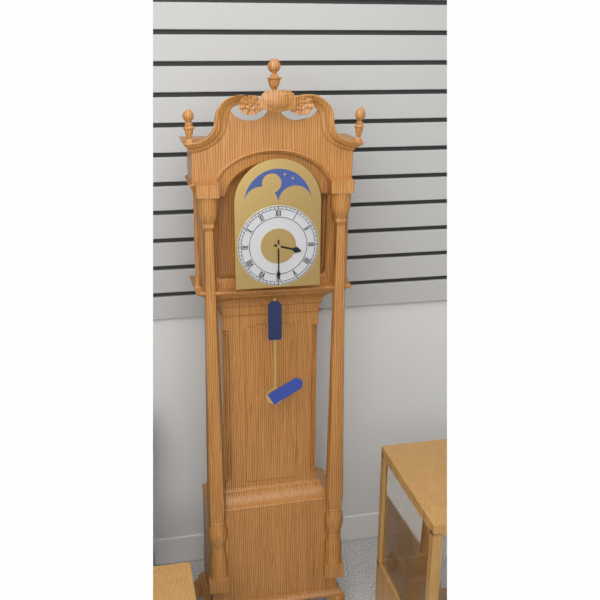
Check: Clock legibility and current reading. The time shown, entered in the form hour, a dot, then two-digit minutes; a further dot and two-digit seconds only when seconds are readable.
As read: 3.30
